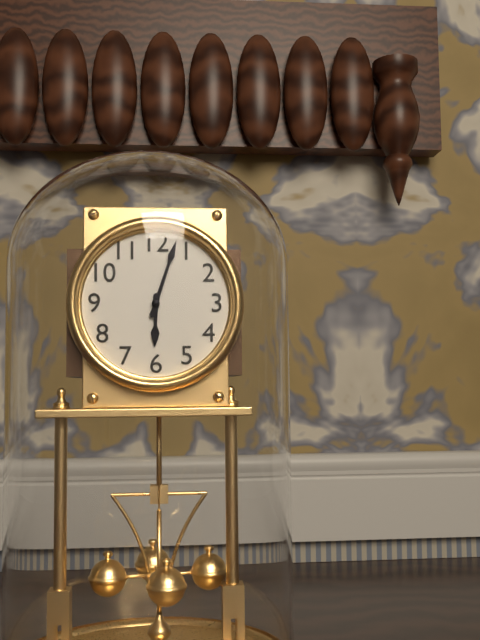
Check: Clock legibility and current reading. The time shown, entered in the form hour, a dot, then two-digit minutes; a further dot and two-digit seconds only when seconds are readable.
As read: 6.03
